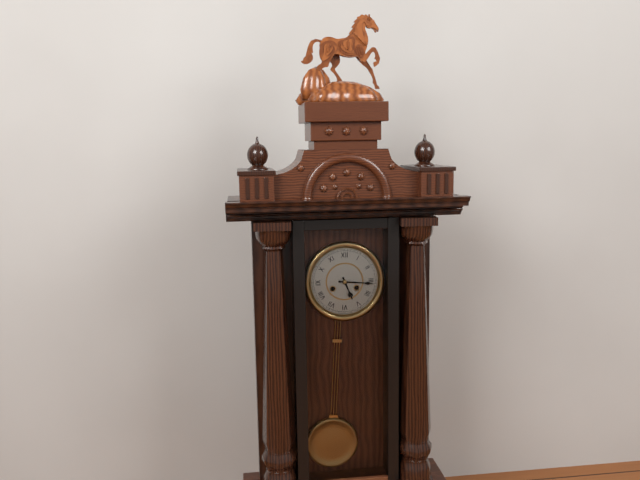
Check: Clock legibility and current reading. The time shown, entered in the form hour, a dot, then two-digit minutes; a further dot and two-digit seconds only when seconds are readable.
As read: 5.16
